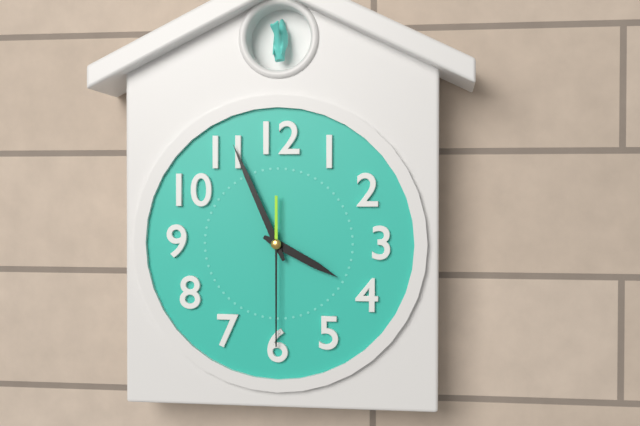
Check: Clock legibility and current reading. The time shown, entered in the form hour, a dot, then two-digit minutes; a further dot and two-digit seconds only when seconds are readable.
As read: 3.56.30
